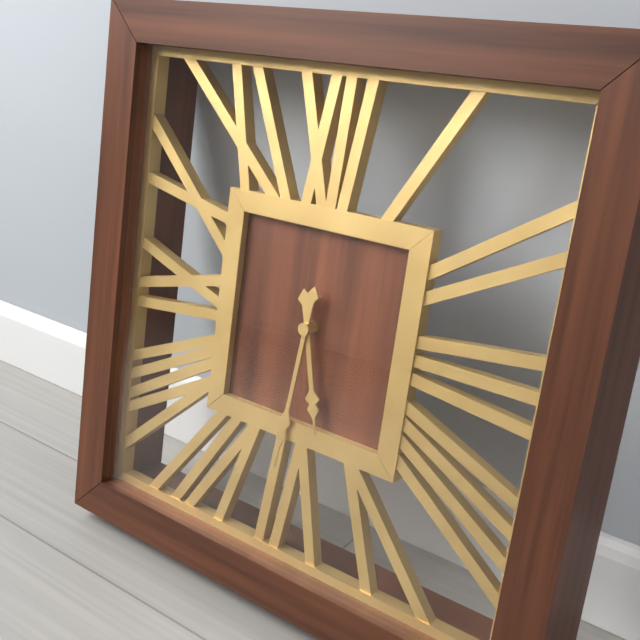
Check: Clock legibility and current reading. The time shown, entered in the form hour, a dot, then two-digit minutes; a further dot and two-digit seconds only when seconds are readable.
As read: 5.31
